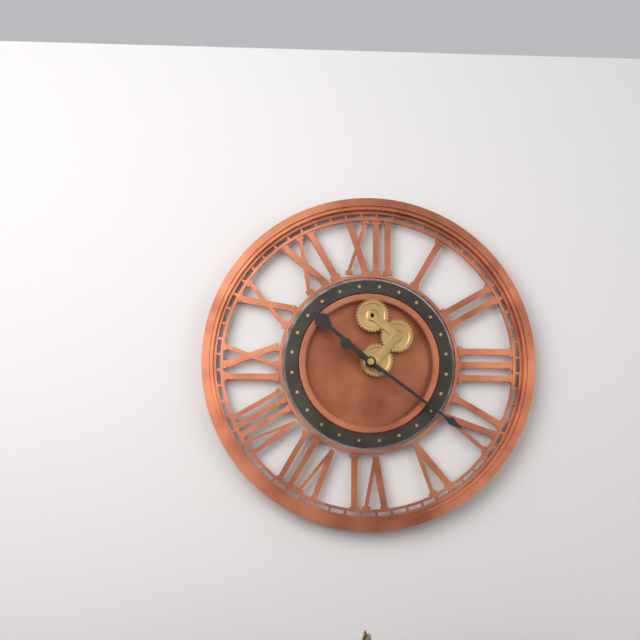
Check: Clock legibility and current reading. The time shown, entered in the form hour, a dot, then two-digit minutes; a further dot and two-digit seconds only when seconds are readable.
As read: 10.21
